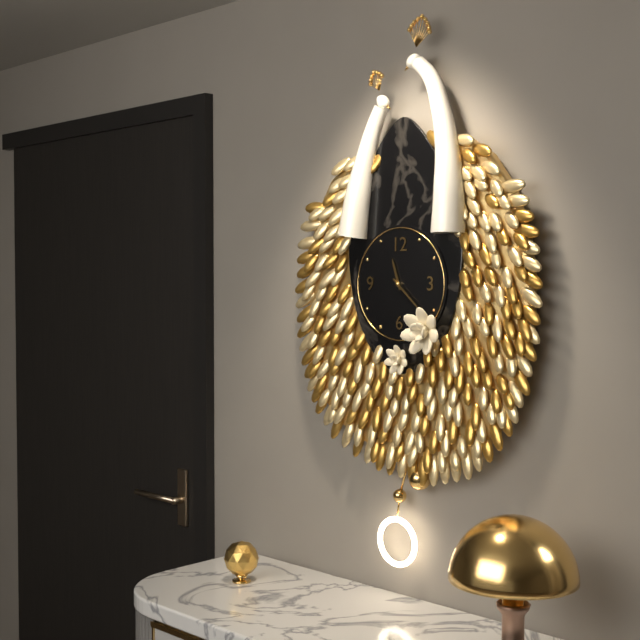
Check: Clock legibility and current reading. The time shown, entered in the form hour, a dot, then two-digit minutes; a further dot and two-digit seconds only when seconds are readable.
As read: 11.22
